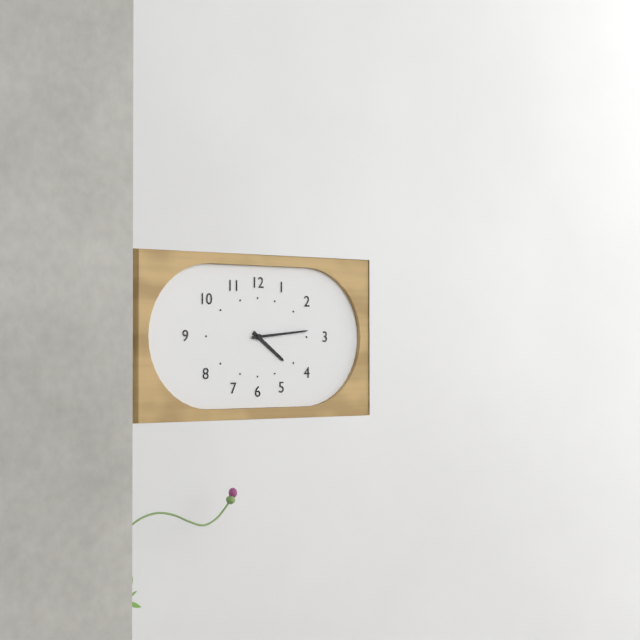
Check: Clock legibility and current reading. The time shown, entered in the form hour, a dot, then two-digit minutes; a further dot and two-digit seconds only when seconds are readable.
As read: 4.14
